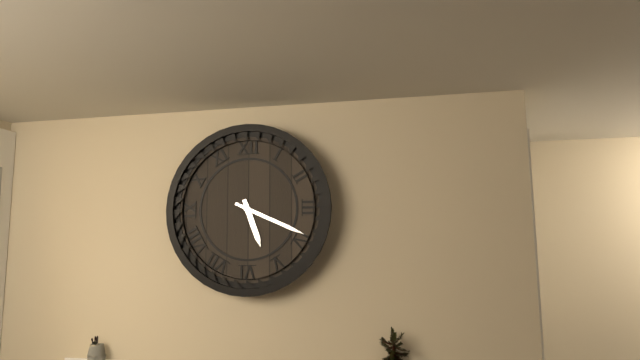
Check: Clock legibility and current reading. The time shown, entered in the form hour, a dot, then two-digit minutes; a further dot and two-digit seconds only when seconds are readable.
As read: 5.19
